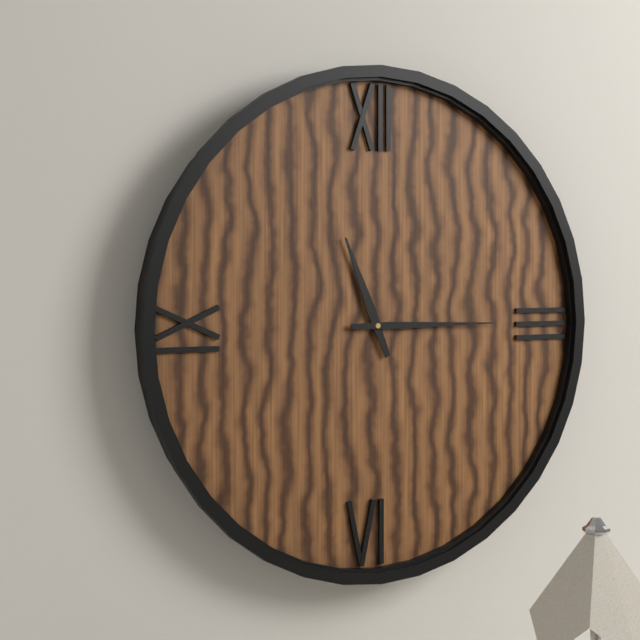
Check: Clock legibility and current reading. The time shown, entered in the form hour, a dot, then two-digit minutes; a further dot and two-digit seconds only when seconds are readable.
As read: 11.15
